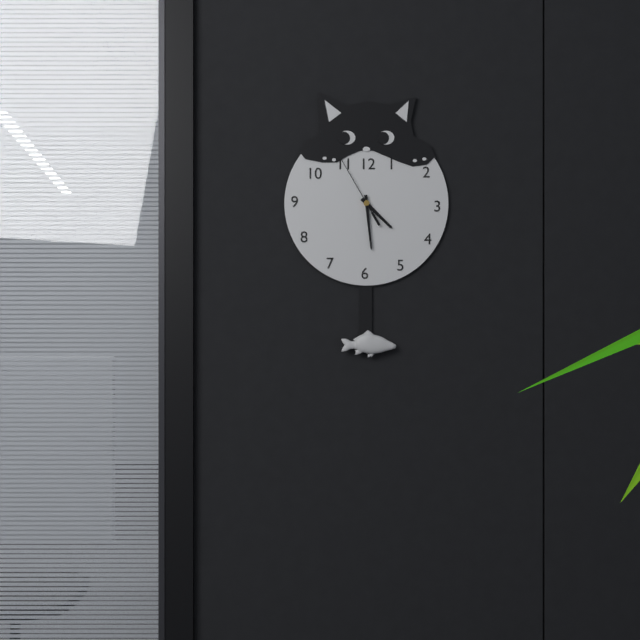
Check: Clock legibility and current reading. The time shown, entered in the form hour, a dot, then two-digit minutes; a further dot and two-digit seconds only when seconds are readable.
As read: 4.29.55
